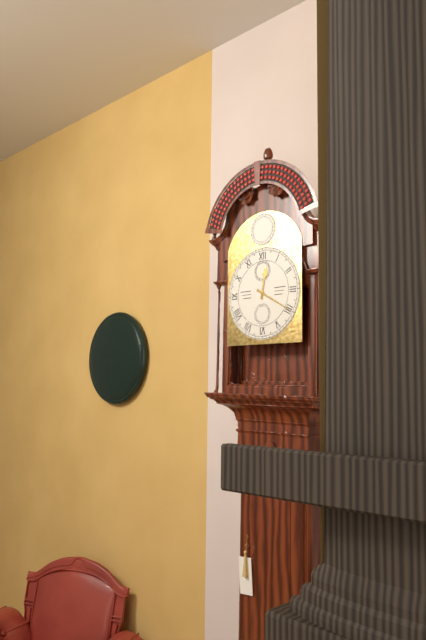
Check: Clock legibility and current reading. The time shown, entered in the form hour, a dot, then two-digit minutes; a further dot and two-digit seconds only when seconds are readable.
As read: 12.20
